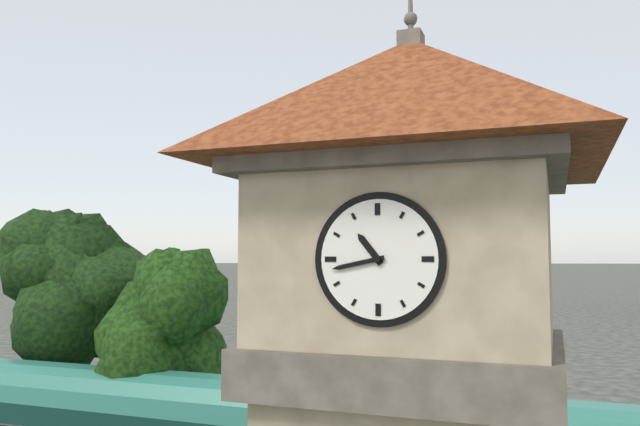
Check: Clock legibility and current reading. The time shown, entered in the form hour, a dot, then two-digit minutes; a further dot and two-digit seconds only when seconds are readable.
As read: 10.43
